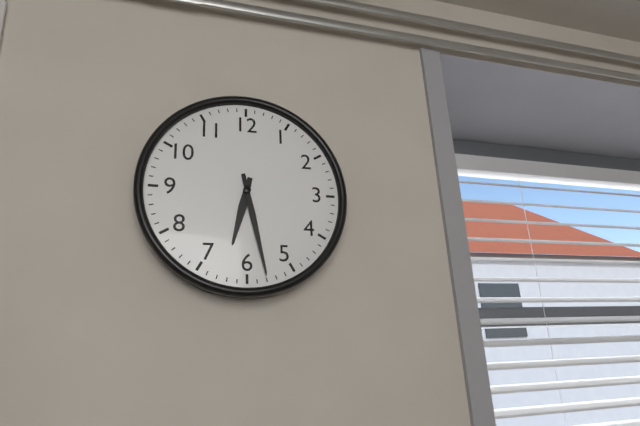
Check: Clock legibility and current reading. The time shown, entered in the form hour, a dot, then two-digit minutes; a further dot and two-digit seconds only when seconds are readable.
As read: 6.28
